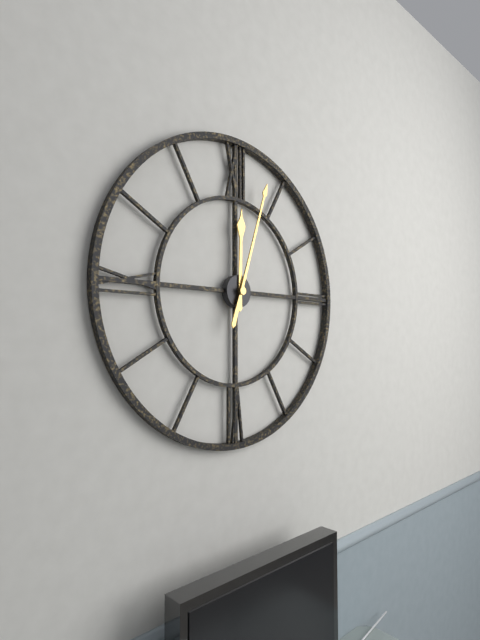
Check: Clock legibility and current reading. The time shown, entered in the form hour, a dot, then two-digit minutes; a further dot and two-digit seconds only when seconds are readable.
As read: 12.03
